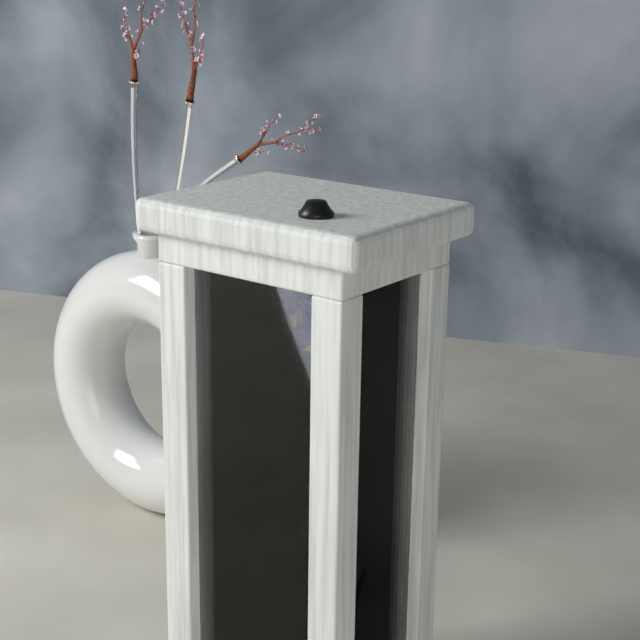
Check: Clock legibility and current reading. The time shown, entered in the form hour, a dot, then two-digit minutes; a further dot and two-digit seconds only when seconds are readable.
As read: 3.12.47
